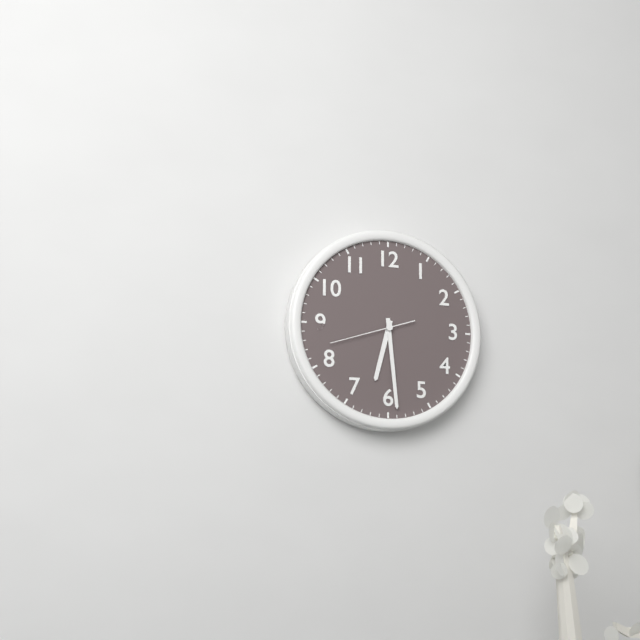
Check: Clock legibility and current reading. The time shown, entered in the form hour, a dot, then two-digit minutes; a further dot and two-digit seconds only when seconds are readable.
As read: 6.29.42
